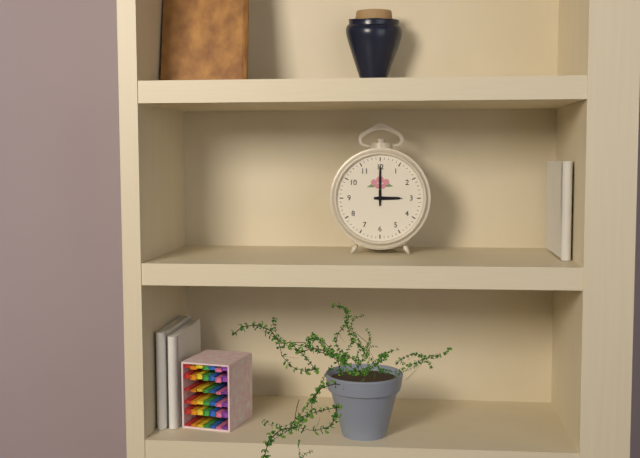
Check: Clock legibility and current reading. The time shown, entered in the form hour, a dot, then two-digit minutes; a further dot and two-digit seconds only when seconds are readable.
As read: 3.00
